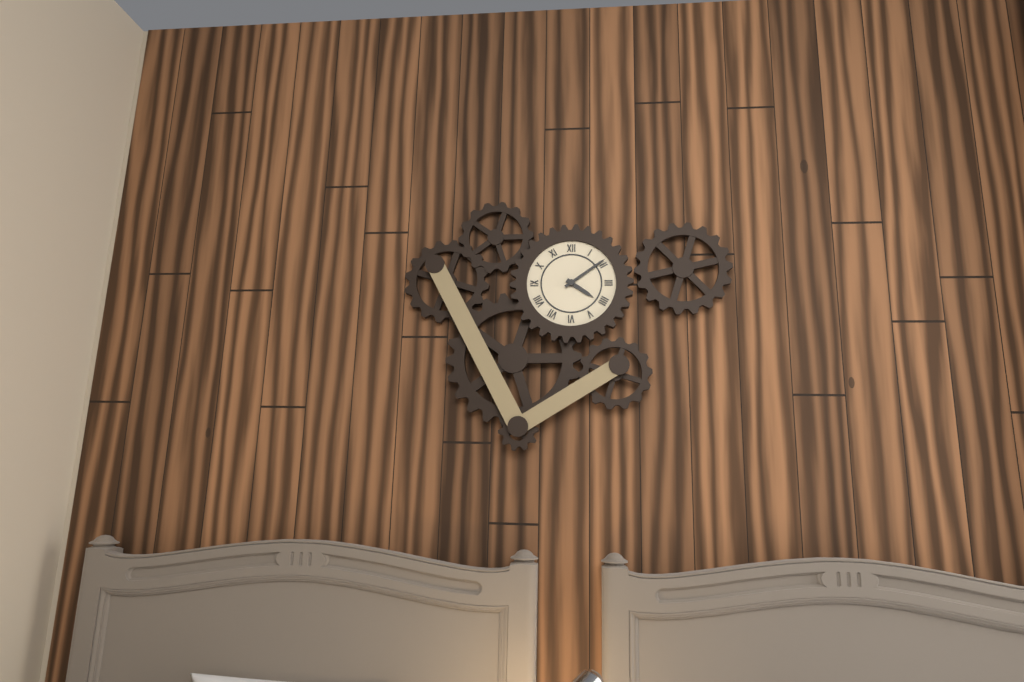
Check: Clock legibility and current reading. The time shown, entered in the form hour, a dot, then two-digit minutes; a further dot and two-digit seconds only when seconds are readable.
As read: 4.09
